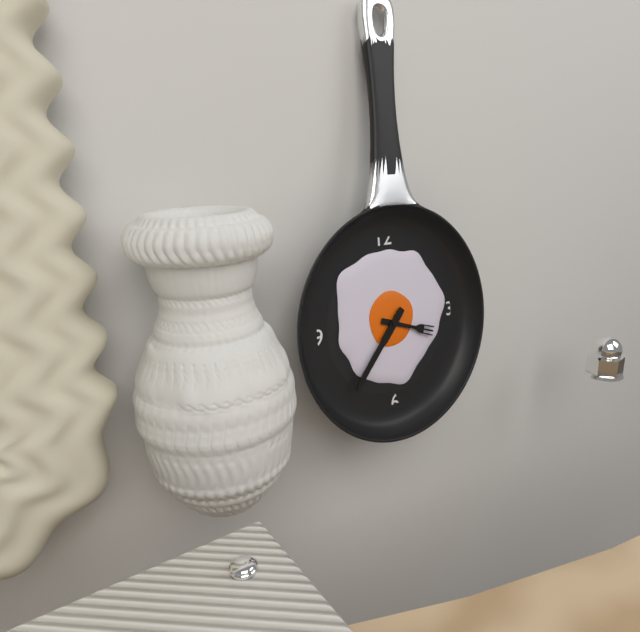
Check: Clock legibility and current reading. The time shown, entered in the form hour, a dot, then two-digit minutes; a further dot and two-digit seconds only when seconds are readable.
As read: 3.37
